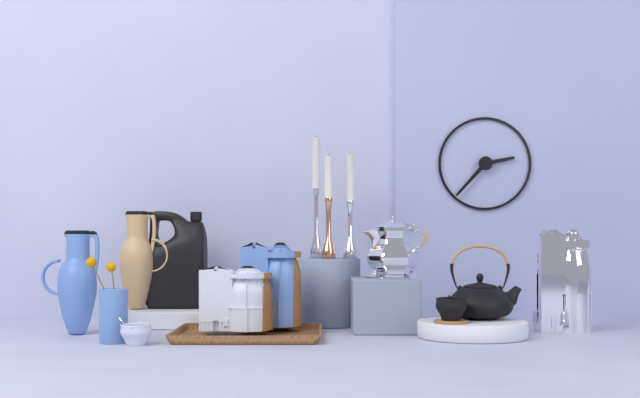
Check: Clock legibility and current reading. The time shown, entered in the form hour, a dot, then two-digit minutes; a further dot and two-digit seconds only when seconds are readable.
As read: 2.37
